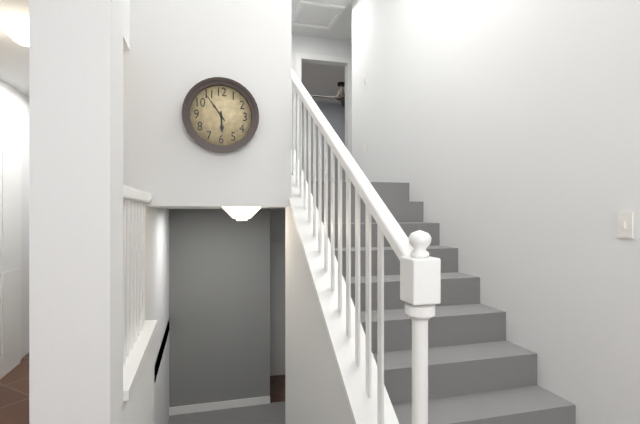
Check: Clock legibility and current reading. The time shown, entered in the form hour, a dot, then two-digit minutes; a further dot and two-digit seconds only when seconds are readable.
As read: 5.54
